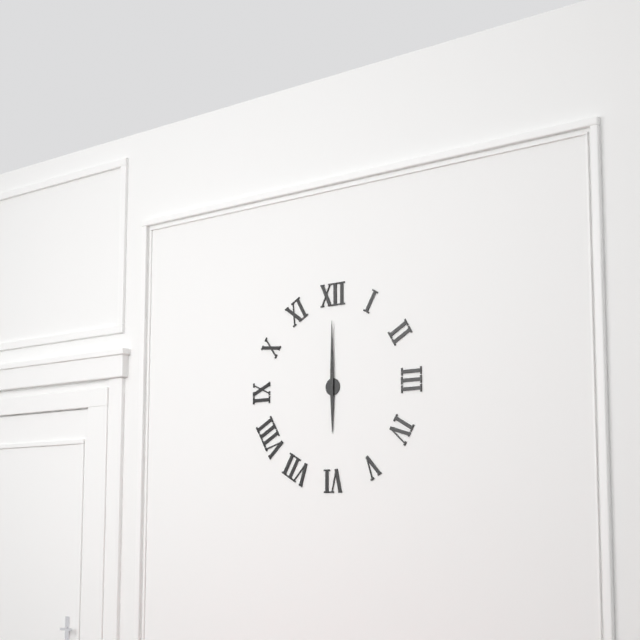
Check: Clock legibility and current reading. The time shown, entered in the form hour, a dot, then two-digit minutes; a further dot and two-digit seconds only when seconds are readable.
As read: 6.00
